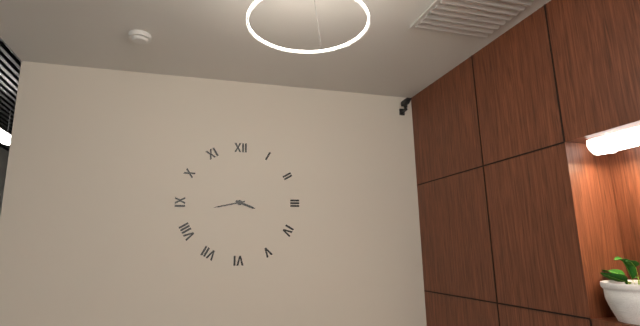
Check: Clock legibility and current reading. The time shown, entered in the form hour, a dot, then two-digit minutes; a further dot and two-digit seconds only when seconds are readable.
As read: 3.43
